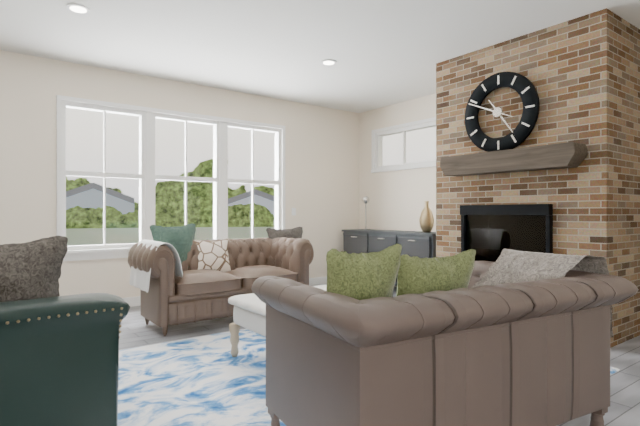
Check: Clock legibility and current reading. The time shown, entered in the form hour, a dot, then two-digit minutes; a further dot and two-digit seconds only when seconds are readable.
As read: 4.49
